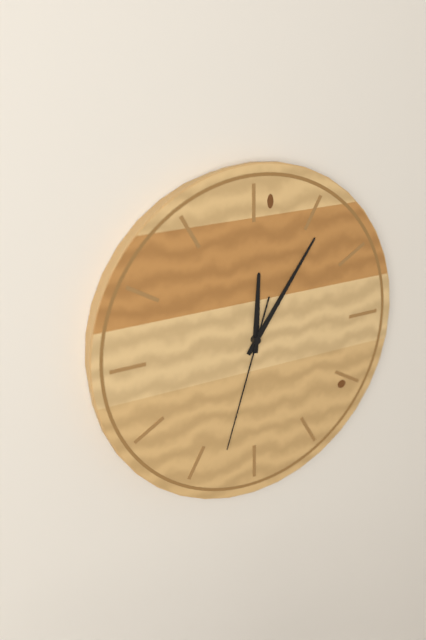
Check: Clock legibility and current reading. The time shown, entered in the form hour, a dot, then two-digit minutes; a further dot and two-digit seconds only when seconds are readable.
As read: 12.06.33
